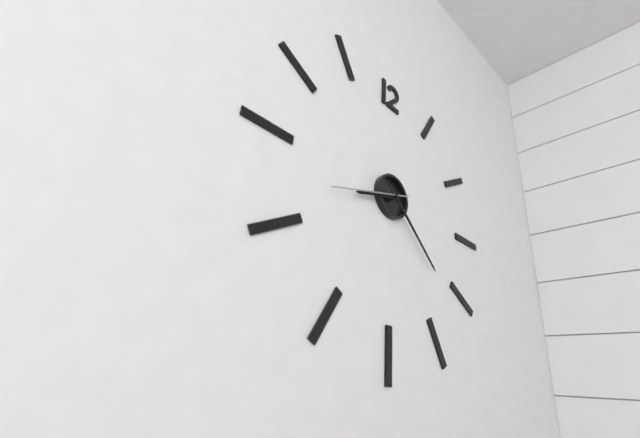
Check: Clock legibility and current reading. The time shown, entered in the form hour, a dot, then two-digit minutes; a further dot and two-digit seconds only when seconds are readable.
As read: 8.22.42
